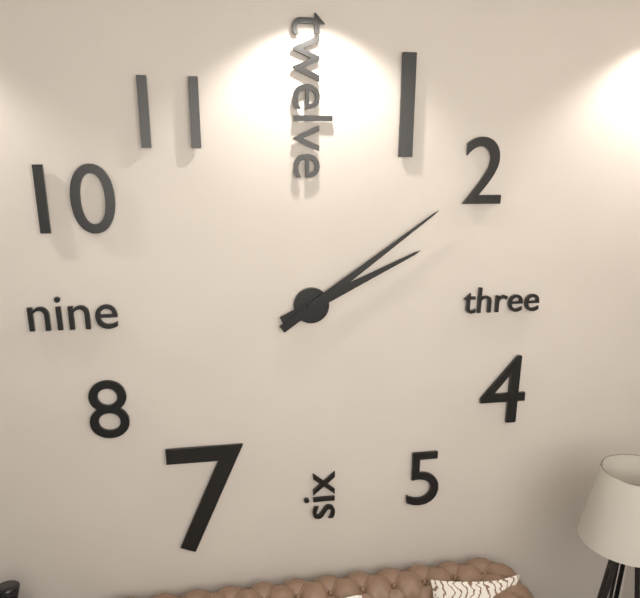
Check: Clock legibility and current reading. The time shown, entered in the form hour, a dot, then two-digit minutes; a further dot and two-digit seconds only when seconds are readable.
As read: 2.09
